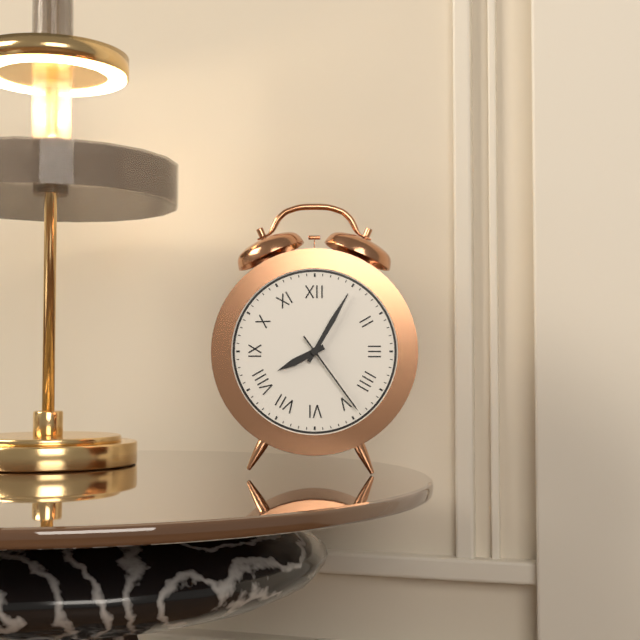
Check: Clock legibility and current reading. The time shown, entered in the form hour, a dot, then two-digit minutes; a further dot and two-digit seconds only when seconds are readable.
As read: 8.05.24
